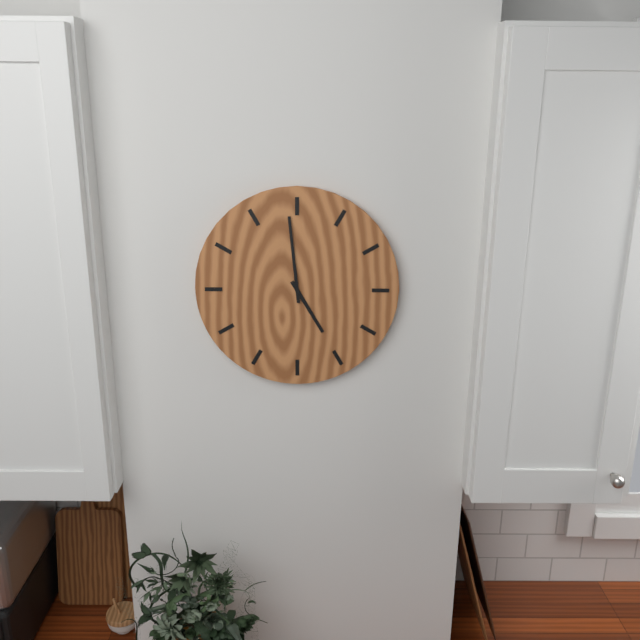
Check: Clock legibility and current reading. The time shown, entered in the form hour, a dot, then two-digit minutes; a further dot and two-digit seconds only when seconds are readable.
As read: 4.59
